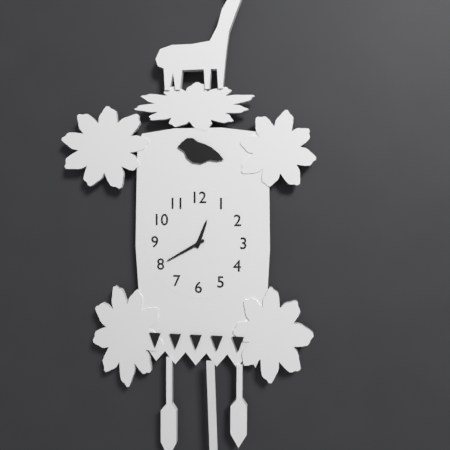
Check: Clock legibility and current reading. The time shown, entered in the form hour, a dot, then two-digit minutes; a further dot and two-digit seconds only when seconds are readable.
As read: 12.40
